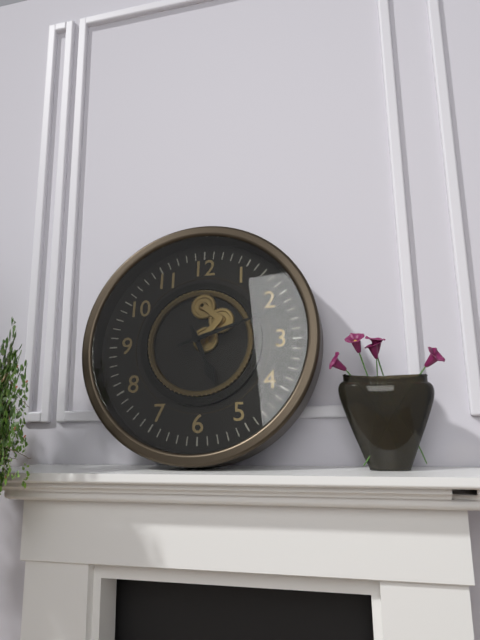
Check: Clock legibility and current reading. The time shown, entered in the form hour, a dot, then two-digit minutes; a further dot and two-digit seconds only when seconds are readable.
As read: 5.12
